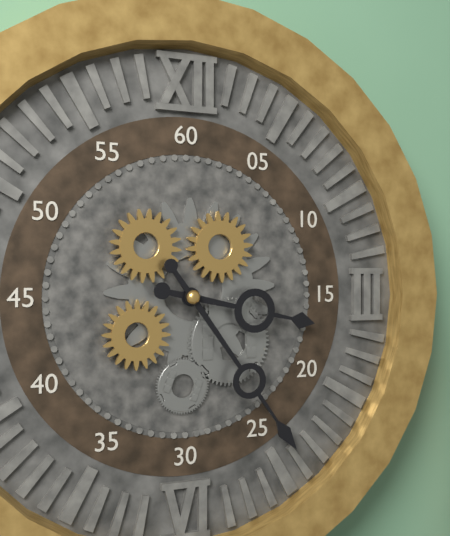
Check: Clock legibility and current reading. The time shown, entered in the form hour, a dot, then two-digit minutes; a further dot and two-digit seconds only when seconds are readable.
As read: 3.24
